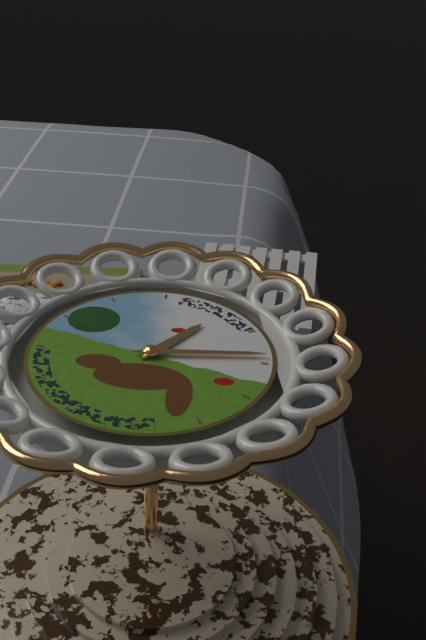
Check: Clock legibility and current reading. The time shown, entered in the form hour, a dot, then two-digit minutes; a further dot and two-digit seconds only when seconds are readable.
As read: 1.14
